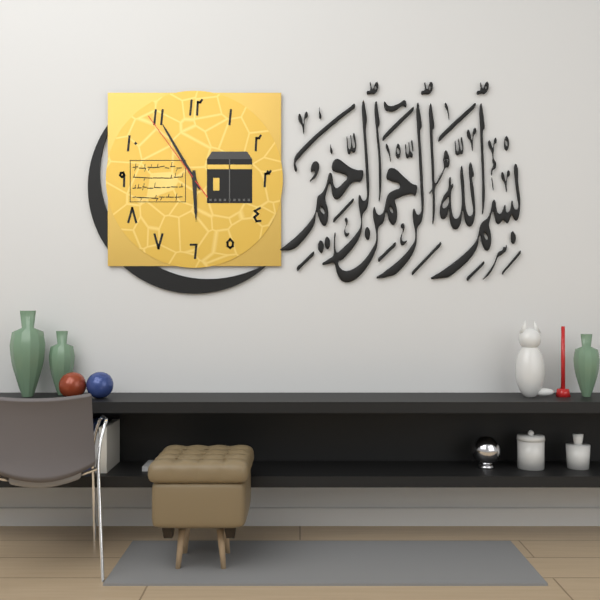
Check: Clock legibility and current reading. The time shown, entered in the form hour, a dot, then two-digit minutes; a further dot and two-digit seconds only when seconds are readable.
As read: 5.55.54
